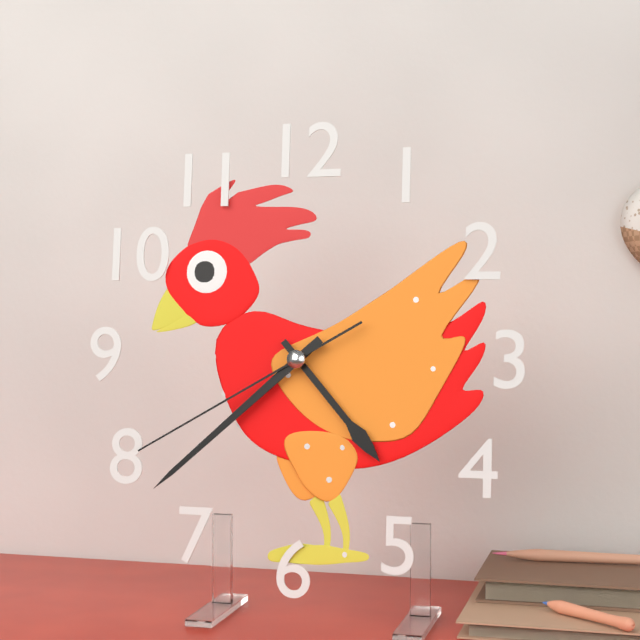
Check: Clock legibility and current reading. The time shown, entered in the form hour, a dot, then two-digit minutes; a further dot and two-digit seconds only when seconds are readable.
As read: 4.38.40
